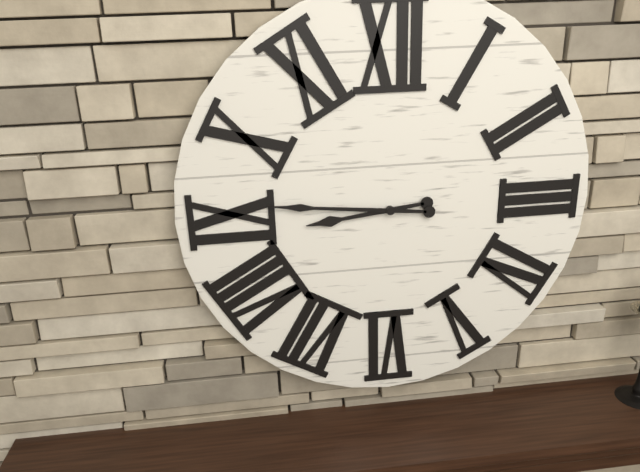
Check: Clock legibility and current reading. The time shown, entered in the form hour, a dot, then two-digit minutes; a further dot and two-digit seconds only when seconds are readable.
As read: 8.46
